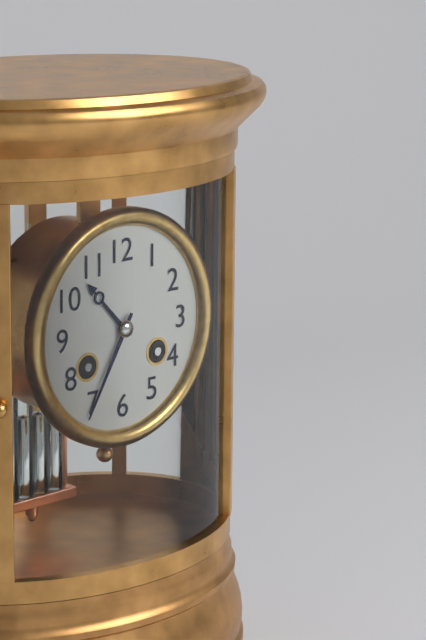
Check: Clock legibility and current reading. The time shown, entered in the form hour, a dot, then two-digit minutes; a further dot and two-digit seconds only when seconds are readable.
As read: 10.35
